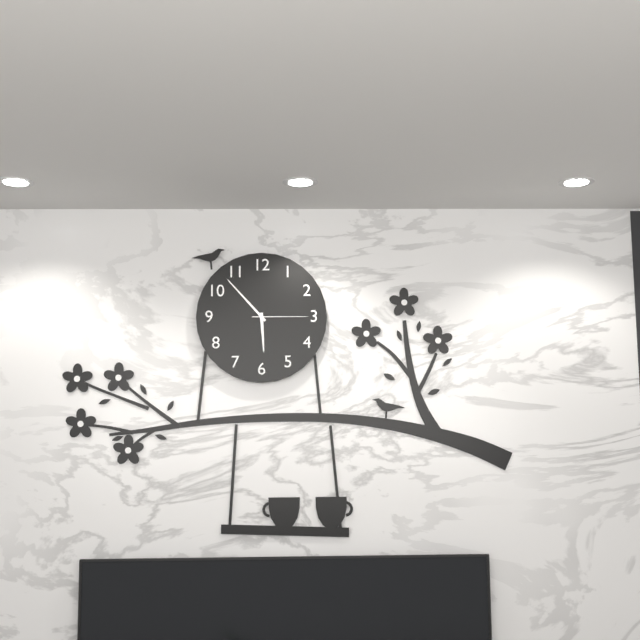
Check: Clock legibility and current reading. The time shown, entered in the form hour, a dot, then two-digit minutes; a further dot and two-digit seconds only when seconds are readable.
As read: 5.53.15
